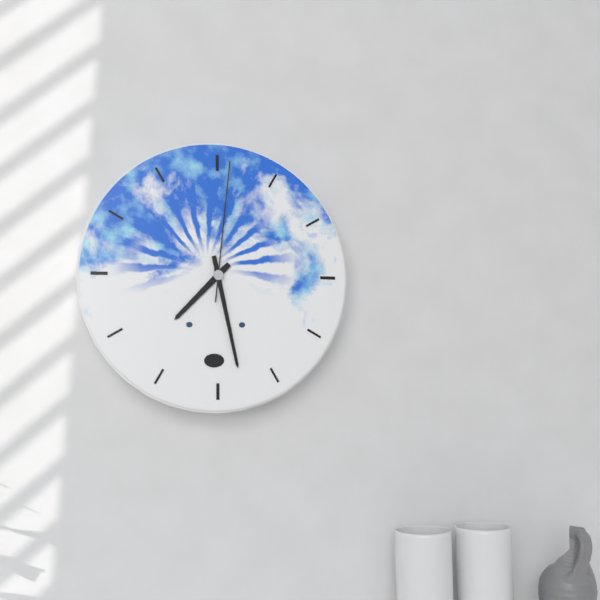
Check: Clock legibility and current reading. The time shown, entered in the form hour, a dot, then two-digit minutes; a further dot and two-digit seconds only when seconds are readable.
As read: 7.28.01
